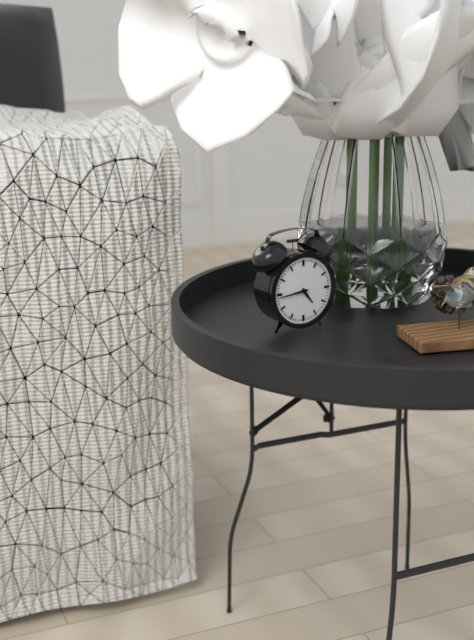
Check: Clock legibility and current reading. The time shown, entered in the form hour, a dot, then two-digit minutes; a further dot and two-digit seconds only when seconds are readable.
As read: 4.44
